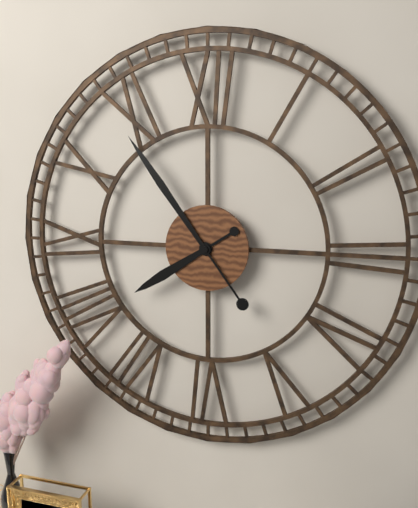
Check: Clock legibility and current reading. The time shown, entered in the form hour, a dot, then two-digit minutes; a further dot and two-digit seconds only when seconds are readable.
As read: 7.54
